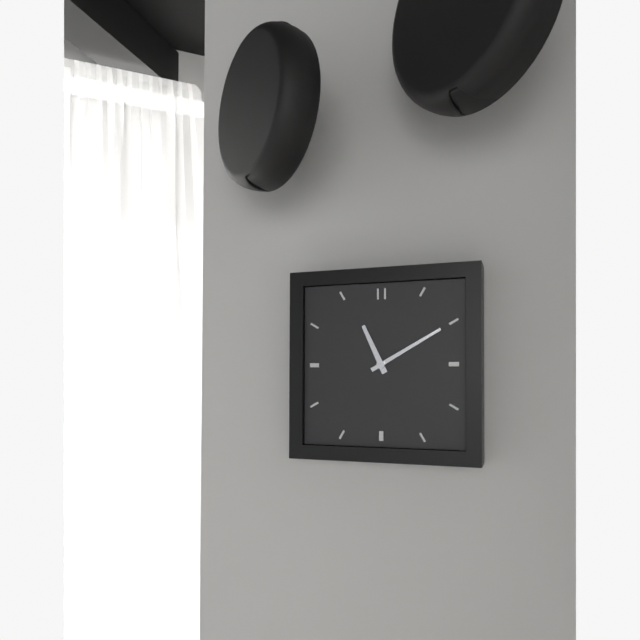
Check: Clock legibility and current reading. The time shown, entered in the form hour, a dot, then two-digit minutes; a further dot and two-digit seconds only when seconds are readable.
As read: 11.10
